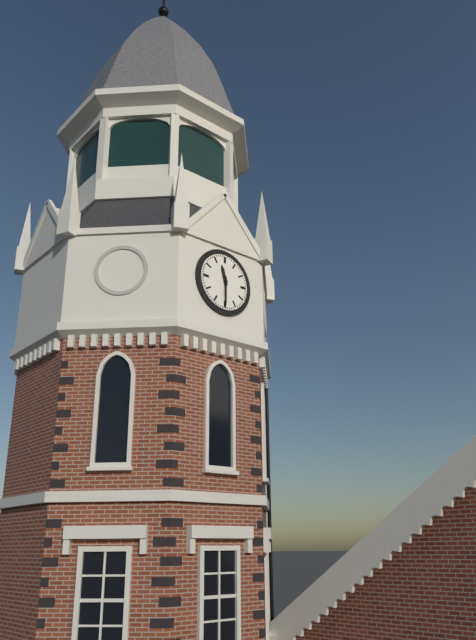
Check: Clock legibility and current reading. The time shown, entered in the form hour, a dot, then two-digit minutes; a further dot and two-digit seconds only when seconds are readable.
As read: 11.30
